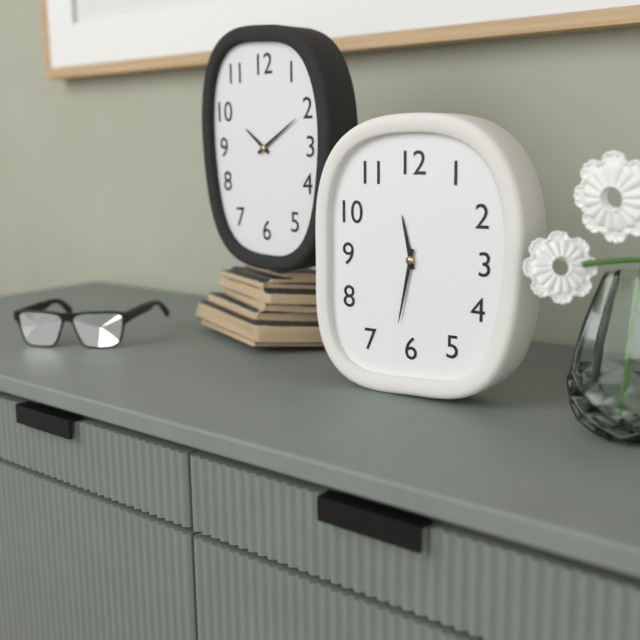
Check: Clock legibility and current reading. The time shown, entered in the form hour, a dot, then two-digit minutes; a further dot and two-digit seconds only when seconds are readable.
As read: 11.32
